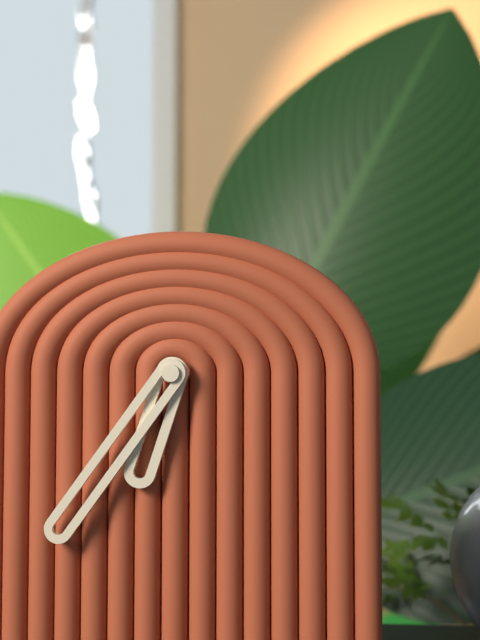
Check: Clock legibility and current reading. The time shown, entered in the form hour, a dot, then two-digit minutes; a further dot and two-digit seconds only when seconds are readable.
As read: 6.36
